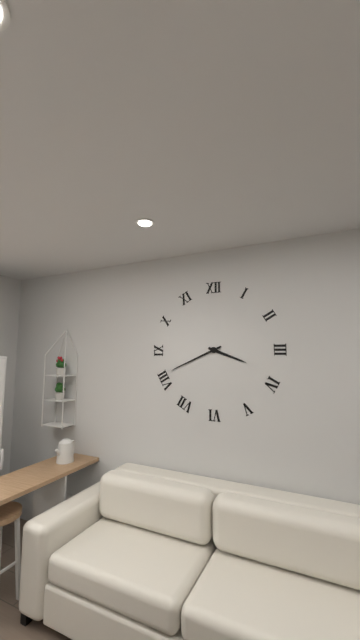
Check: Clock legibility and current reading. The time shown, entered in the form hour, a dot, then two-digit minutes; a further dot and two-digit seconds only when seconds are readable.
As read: 3.41
